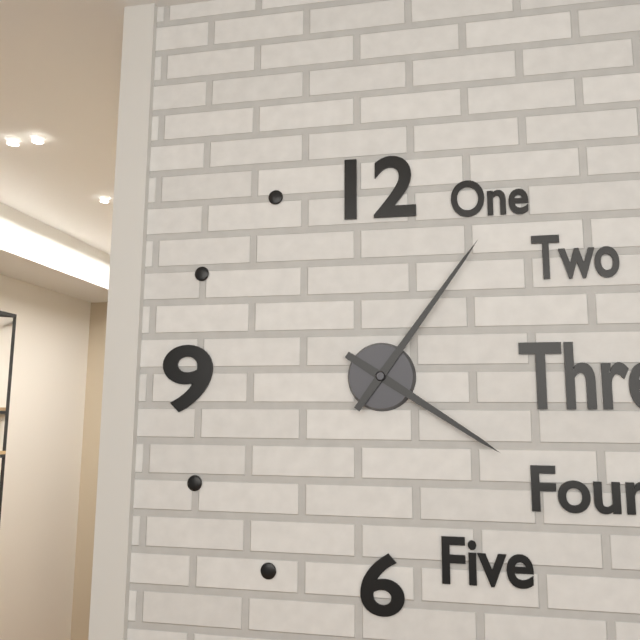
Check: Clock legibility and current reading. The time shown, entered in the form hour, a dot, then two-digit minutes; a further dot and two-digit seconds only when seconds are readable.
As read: 4.06
